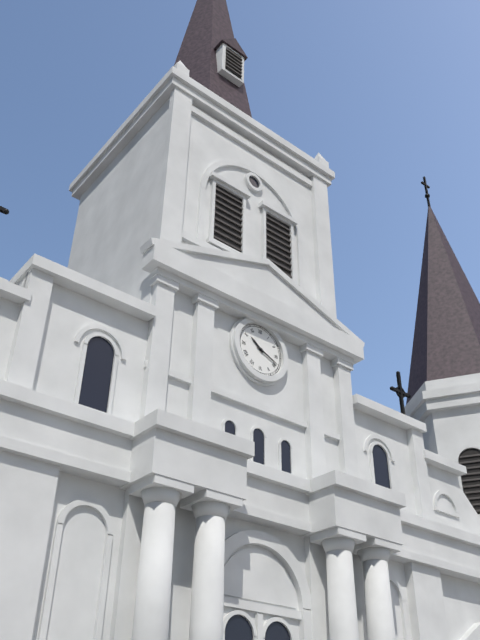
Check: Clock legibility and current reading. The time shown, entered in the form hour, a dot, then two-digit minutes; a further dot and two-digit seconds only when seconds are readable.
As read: 10.19
